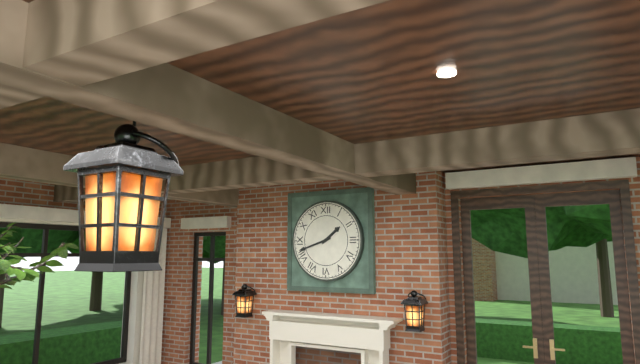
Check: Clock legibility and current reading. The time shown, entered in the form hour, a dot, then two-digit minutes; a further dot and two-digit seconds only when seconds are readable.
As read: 1.42
